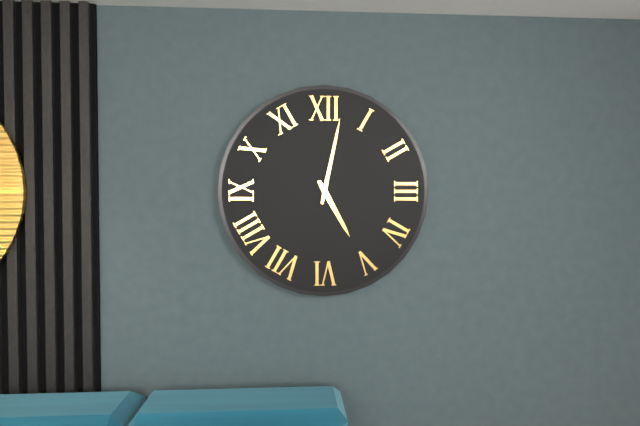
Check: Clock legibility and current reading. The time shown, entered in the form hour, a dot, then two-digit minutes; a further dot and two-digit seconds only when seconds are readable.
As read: 5.02
